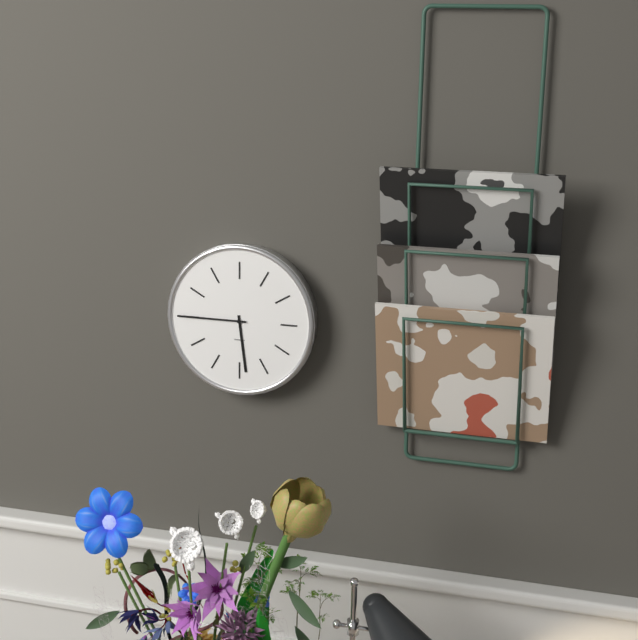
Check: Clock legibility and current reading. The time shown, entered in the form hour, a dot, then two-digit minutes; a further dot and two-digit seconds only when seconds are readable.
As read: 5.45
